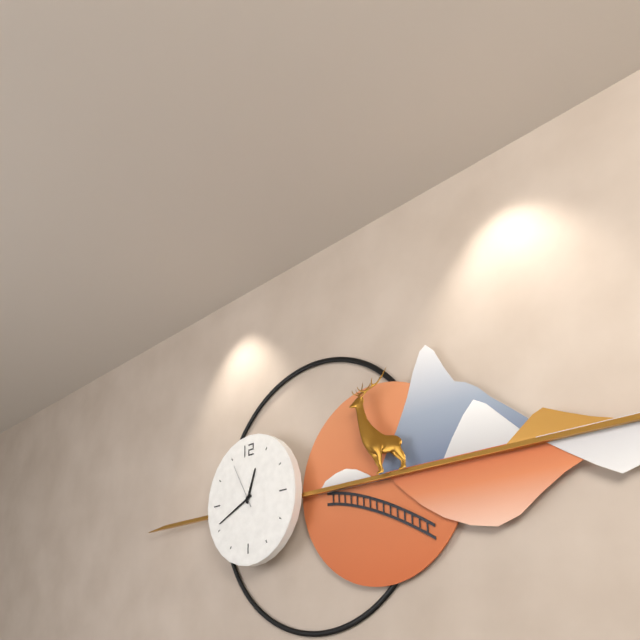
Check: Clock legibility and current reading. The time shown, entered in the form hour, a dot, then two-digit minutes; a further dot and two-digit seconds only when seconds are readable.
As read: 12.41
